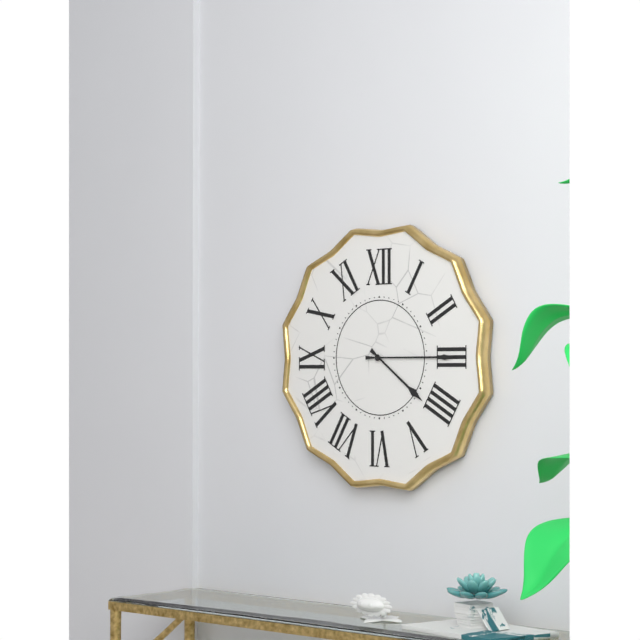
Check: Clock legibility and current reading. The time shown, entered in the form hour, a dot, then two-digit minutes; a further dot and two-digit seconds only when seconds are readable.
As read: 4.15
